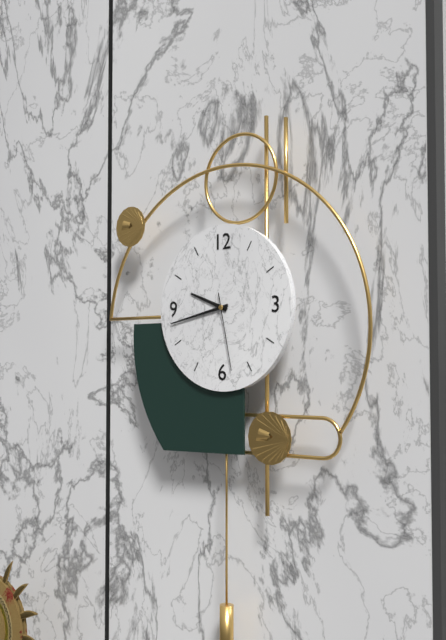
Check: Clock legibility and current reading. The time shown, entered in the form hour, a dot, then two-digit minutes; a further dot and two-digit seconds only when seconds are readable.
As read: 9.43.28
